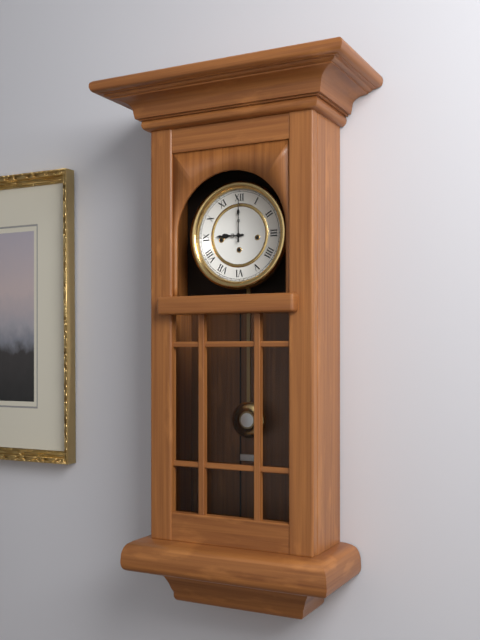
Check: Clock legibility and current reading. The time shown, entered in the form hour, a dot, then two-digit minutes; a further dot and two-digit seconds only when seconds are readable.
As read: 9.00
